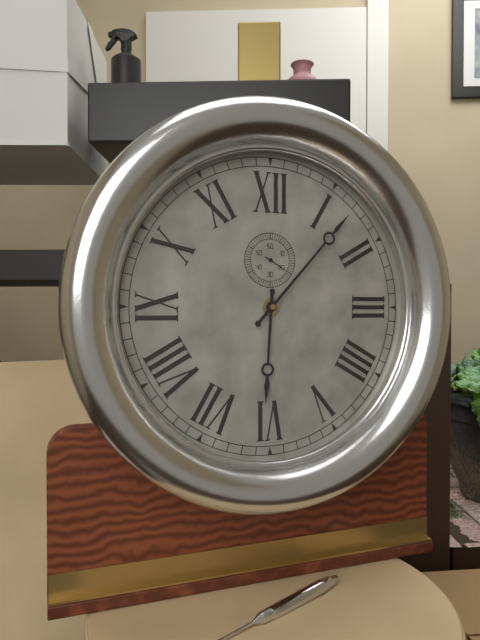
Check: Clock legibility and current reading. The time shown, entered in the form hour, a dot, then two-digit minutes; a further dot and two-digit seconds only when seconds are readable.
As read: 6.07
